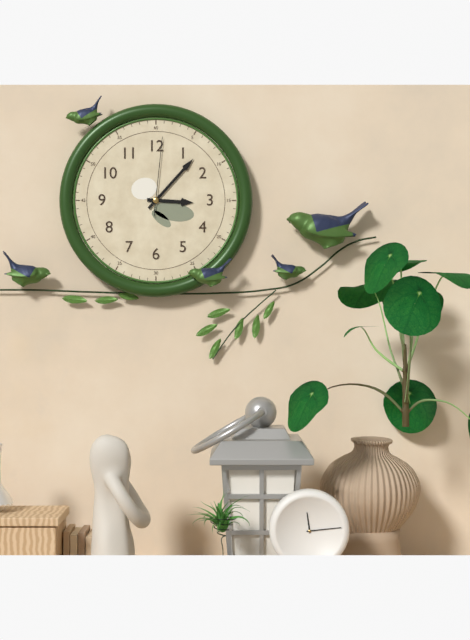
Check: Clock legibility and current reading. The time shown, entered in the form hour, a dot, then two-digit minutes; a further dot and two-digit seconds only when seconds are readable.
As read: 3.07.01
